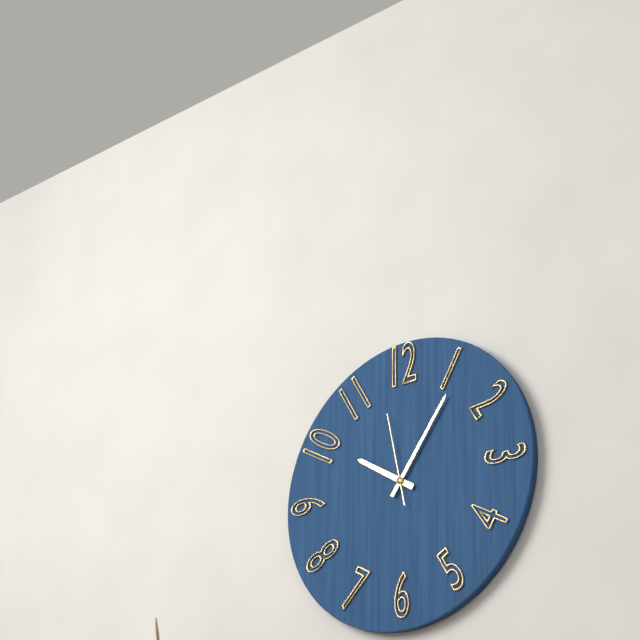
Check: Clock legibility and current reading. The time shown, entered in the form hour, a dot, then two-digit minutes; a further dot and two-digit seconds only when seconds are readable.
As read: 10.06.58
